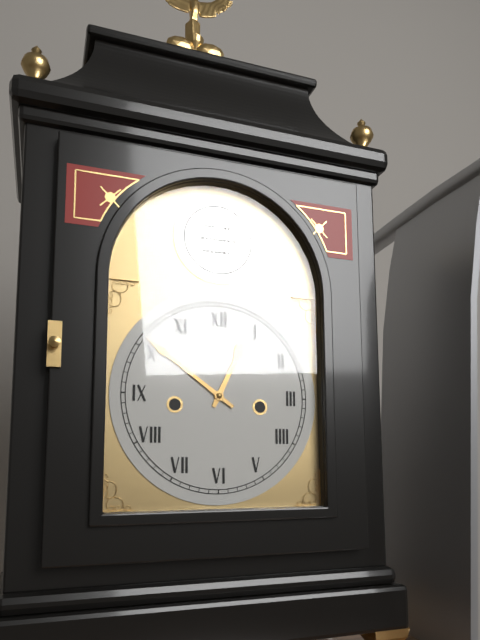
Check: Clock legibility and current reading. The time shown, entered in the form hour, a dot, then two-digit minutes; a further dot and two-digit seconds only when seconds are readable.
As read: 12.51
